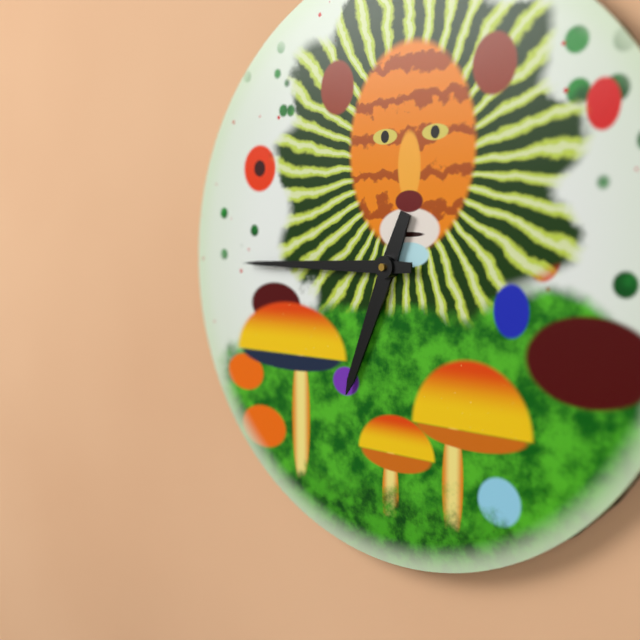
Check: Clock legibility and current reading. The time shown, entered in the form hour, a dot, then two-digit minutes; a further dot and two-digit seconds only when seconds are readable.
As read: 6.45
